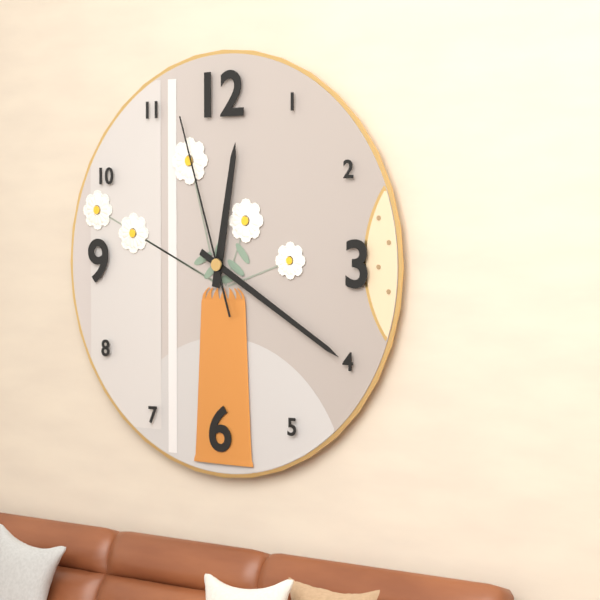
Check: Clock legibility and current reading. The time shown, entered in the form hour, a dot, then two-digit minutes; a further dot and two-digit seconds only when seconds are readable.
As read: 12.20.57
